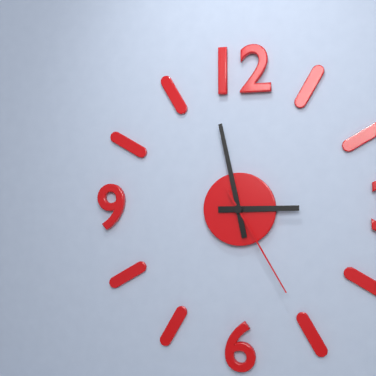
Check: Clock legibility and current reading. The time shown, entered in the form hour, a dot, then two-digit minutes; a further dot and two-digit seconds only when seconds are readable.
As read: 2.58.25
